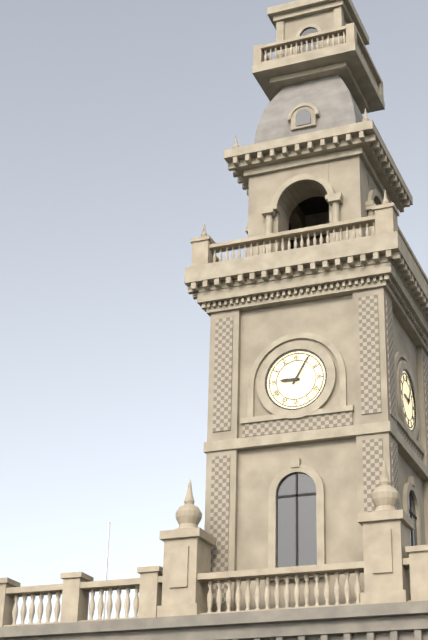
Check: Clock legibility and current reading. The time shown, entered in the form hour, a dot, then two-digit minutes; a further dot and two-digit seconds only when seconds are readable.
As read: 9.05
